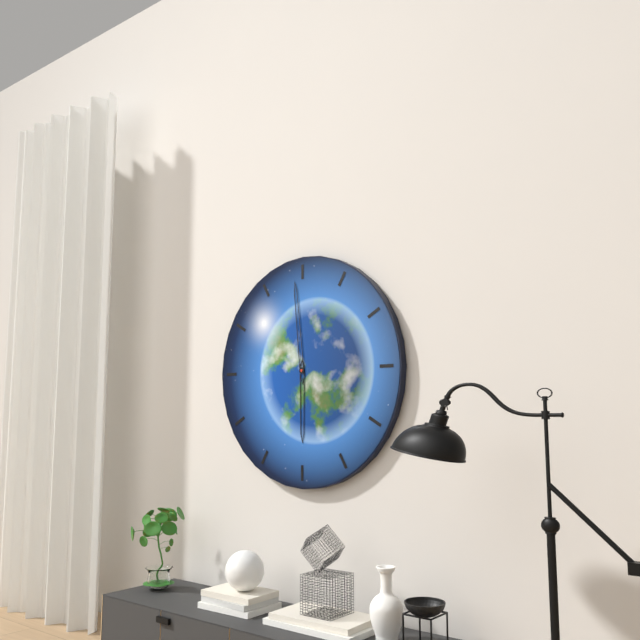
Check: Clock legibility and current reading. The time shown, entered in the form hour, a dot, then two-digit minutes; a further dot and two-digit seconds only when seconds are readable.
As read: 5.59
